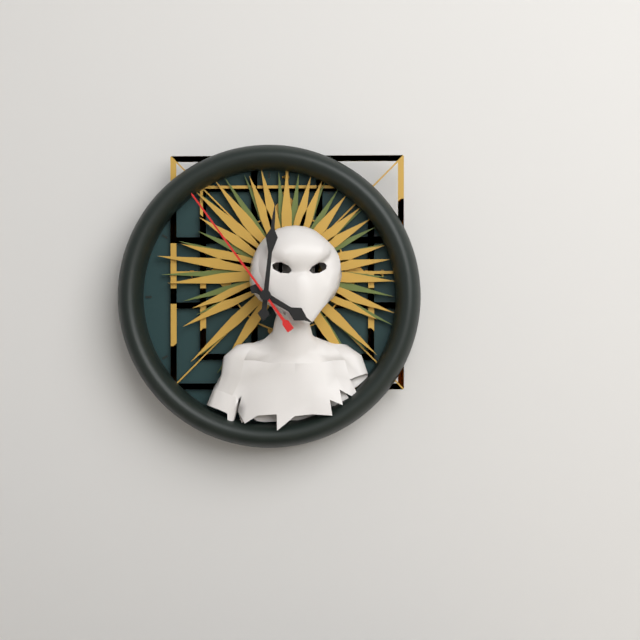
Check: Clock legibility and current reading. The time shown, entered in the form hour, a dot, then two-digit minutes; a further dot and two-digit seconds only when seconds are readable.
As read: 4.01.54
